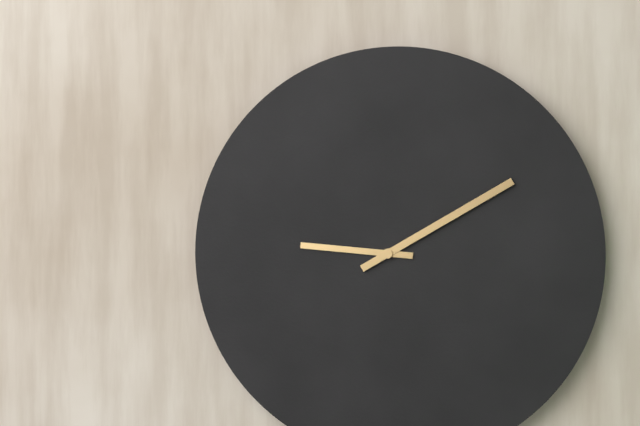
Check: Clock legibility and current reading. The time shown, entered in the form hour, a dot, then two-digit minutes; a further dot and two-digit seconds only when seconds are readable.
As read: 9.10
